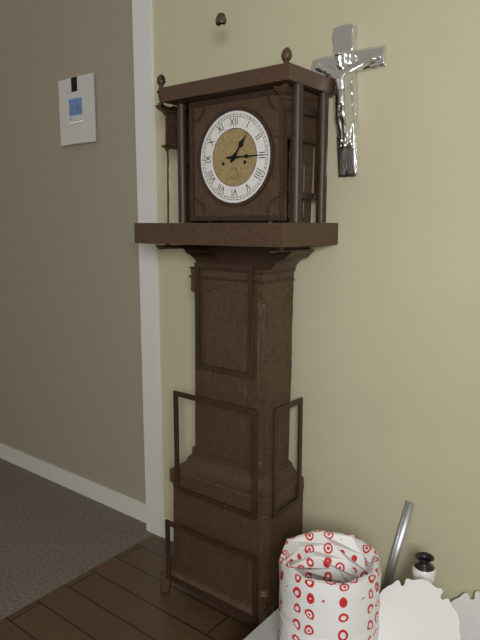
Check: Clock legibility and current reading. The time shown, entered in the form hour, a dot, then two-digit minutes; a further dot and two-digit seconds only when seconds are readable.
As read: 1.15
